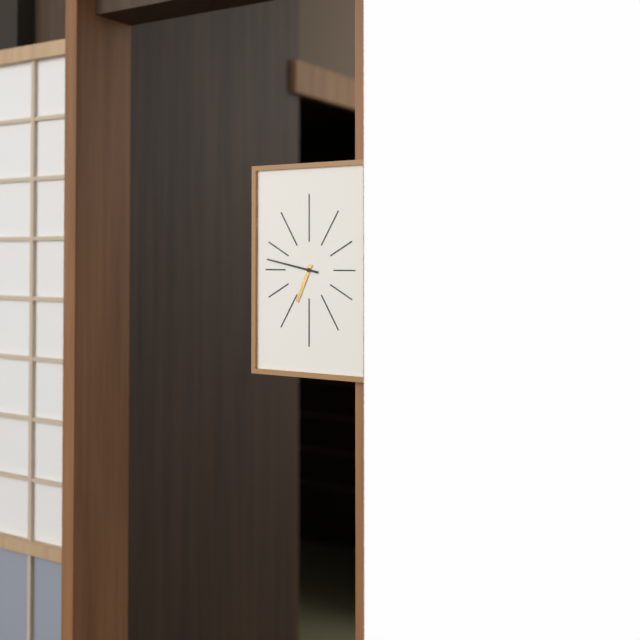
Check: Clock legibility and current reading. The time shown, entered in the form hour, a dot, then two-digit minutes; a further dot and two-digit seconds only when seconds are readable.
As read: 6.47
